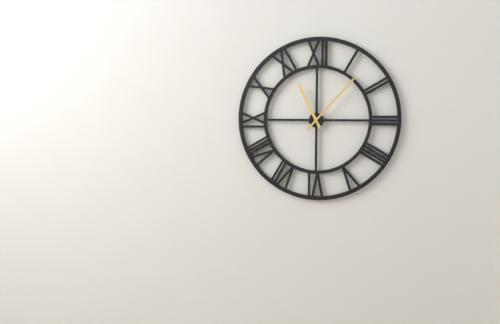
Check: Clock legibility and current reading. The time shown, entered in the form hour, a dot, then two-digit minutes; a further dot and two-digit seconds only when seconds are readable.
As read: 11.07
